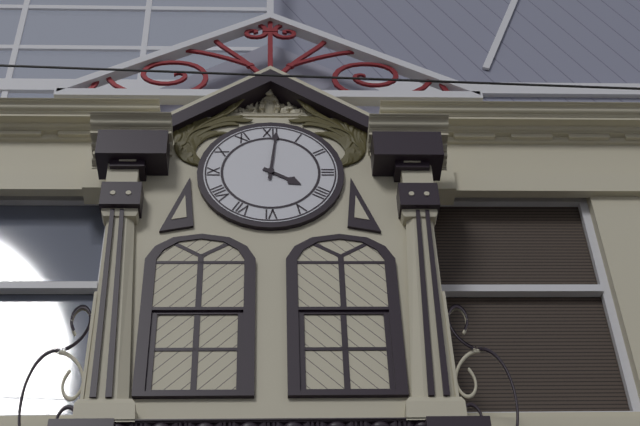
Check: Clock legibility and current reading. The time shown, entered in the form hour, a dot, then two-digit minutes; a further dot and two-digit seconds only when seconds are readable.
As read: 4.01
